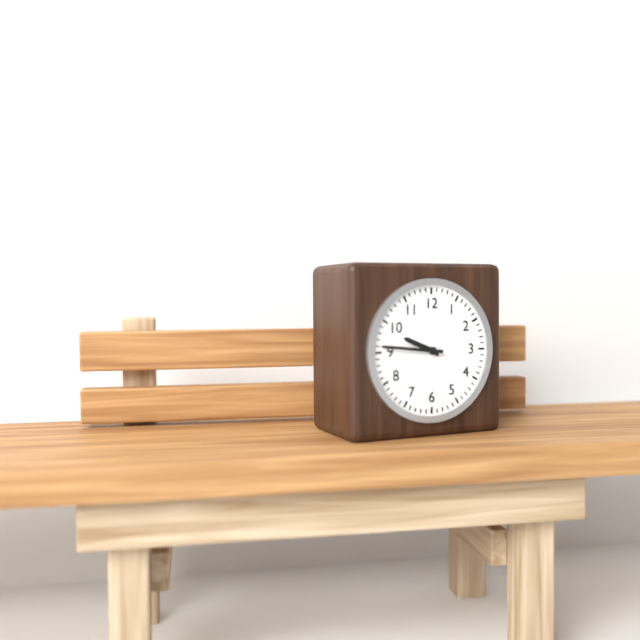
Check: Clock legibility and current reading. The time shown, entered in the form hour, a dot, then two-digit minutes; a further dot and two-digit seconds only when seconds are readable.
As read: 9.46
